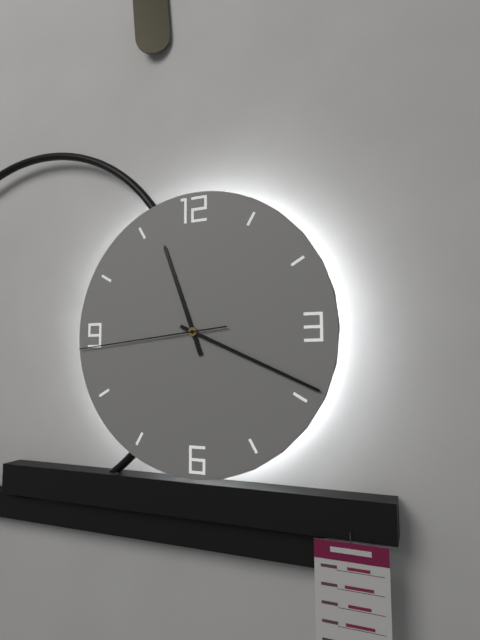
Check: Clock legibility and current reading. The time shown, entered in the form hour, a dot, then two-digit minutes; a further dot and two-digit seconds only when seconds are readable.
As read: 11.19.44
